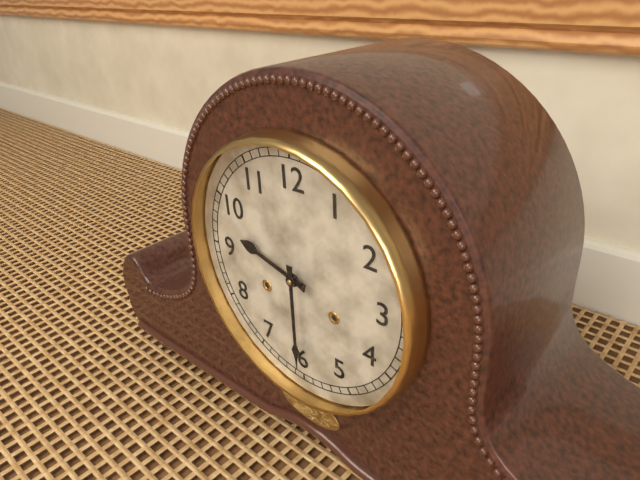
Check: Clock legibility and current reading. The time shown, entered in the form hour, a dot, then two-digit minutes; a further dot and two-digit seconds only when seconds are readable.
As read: 9.30
